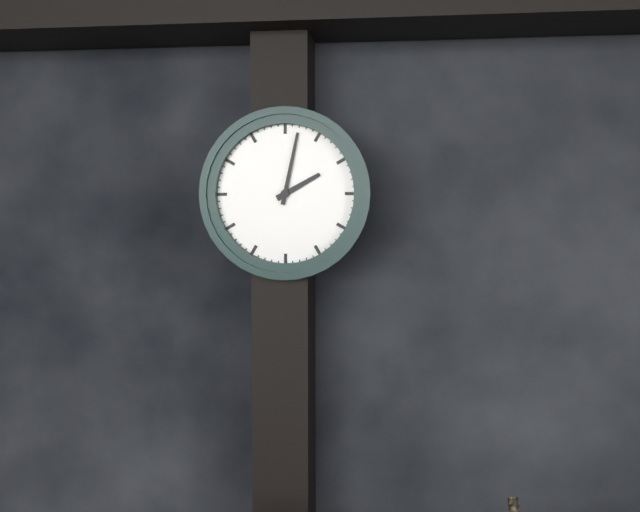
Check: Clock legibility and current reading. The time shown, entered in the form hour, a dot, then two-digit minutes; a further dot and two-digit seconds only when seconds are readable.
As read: 2.02
